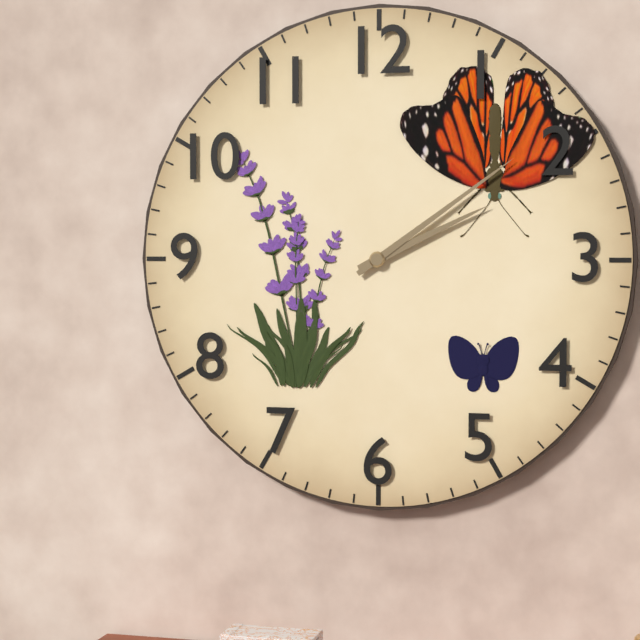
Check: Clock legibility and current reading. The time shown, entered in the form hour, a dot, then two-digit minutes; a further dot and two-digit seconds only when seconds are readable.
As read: 2.09
